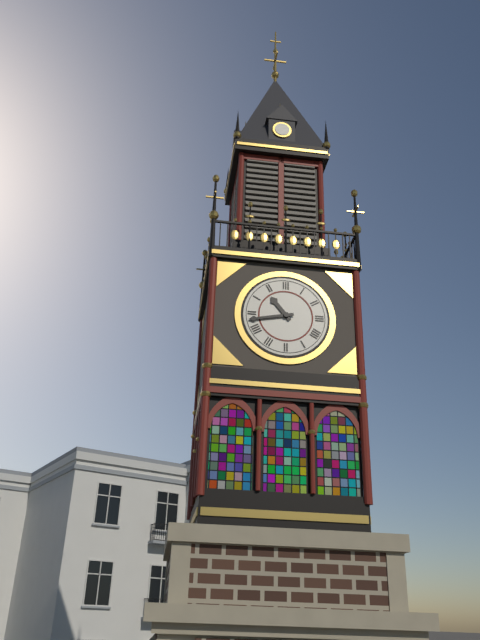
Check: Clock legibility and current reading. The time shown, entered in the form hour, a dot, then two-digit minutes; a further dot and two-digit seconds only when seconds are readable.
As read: 10.43
